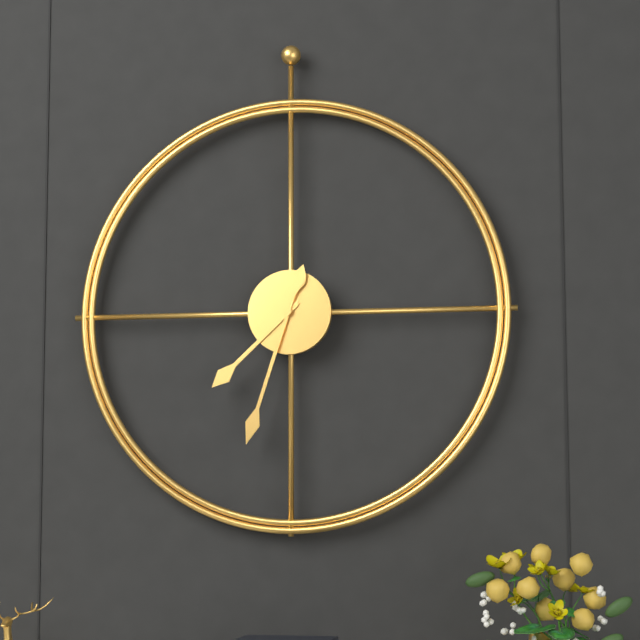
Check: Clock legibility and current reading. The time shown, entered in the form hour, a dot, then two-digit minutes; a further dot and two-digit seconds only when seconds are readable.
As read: 7.33
